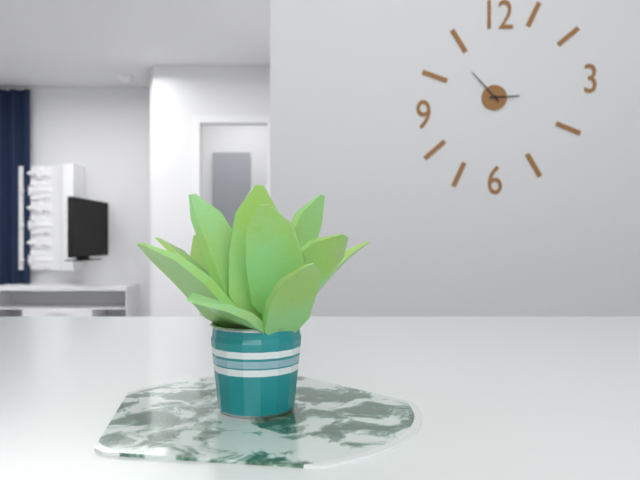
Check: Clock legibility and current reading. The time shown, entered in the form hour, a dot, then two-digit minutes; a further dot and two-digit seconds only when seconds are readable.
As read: 2.53
